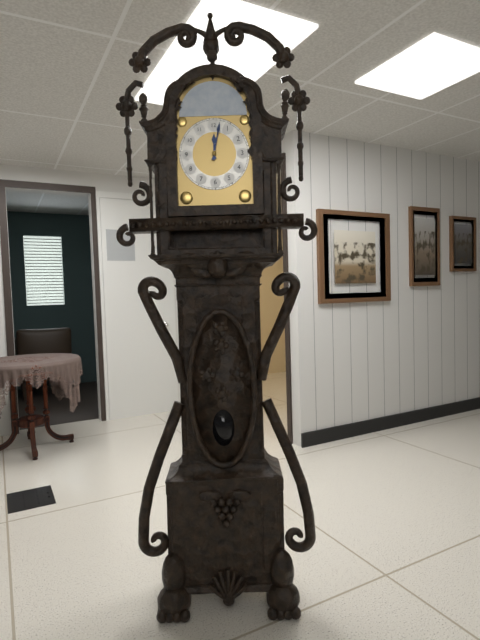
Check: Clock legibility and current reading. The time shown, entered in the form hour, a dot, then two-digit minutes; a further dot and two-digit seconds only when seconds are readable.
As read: 12.02
